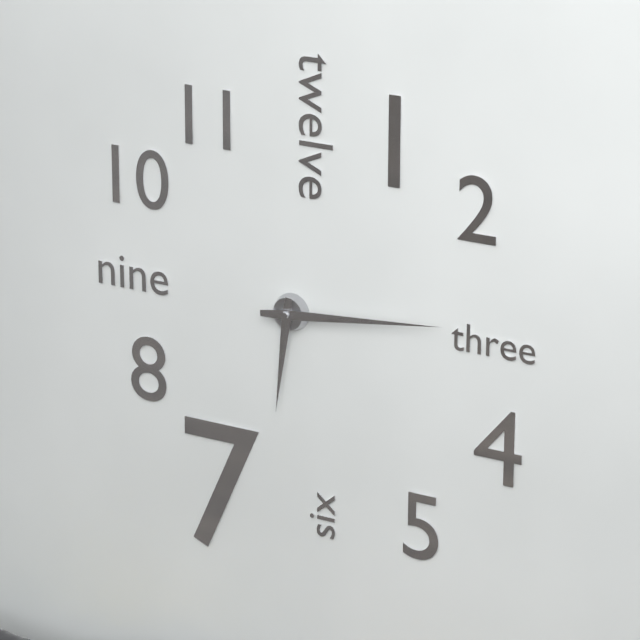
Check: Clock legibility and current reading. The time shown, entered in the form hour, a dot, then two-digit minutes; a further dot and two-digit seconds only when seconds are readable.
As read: 6.14
